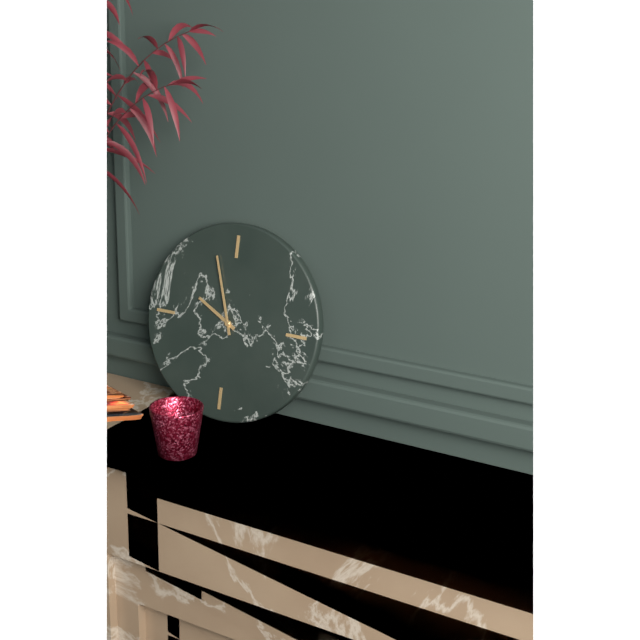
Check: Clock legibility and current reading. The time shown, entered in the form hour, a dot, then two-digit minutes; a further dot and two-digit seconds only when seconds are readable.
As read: 9.57
